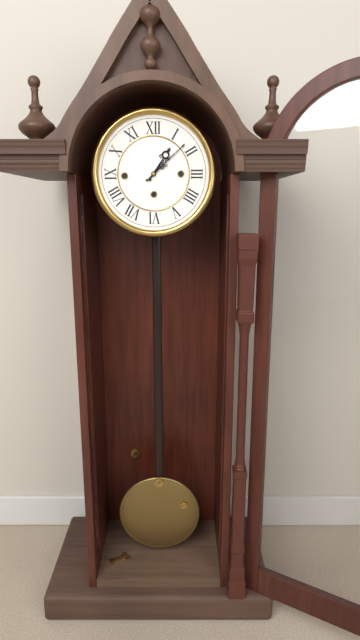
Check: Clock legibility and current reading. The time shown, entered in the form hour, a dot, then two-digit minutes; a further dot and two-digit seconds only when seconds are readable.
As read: 1.08
